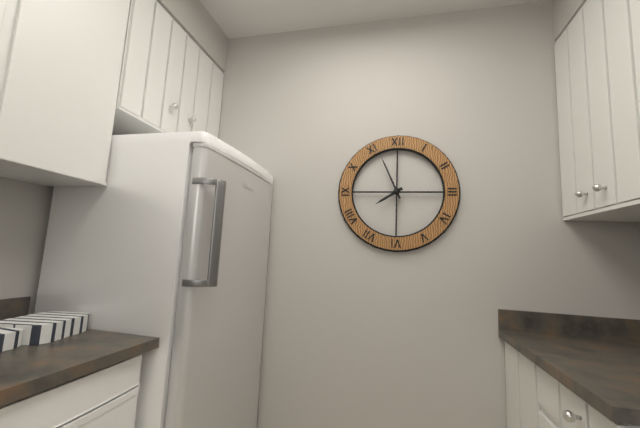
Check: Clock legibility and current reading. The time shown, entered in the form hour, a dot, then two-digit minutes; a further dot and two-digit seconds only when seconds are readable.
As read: 7.56
